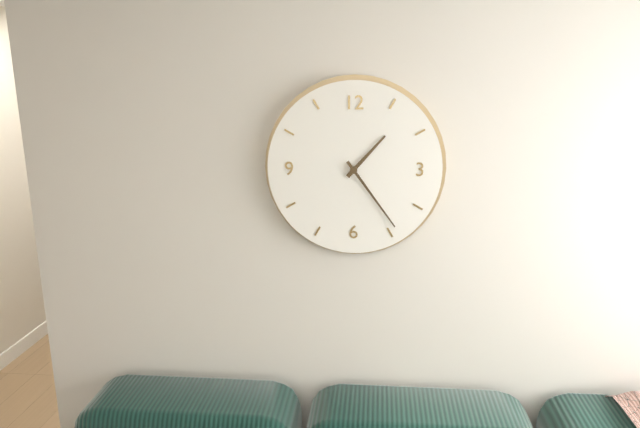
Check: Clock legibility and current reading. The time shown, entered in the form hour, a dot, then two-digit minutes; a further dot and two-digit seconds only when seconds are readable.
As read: 1.24
